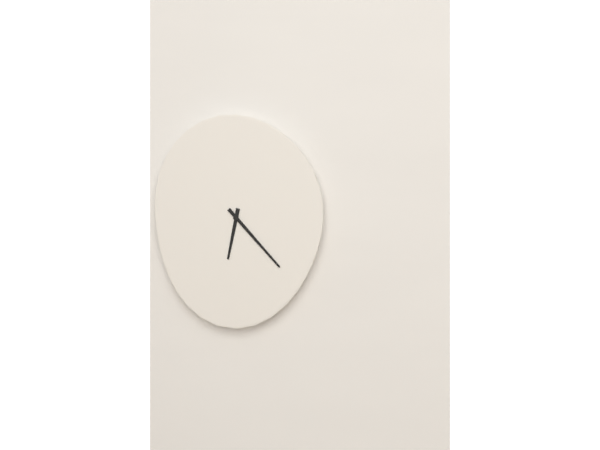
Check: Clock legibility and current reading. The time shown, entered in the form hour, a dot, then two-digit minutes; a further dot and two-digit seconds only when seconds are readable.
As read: 6.23
